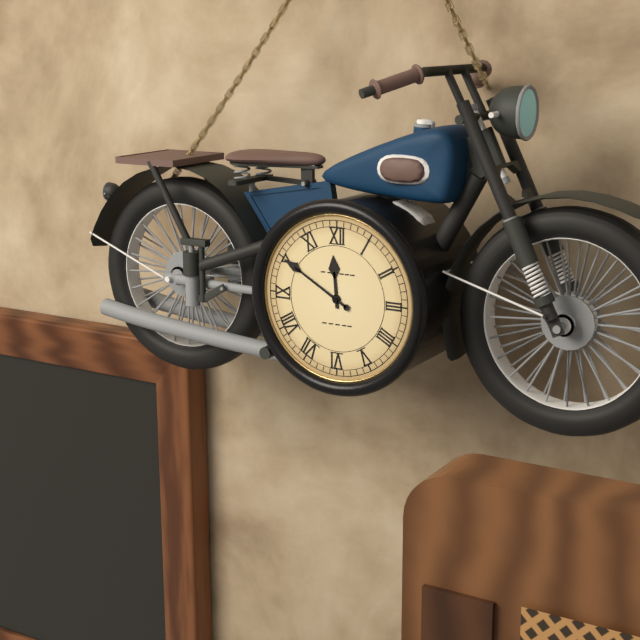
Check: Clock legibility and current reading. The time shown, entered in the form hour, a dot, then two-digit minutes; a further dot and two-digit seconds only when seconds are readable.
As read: 11.50
